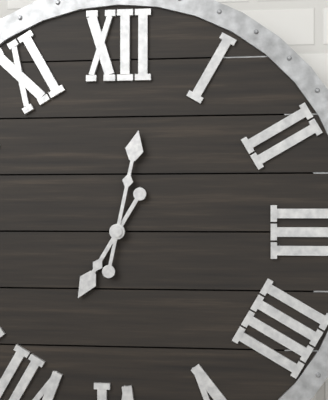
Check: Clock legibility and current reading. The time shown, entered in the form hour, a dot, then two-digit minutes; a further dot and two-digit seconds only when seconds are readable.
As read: 7.02
